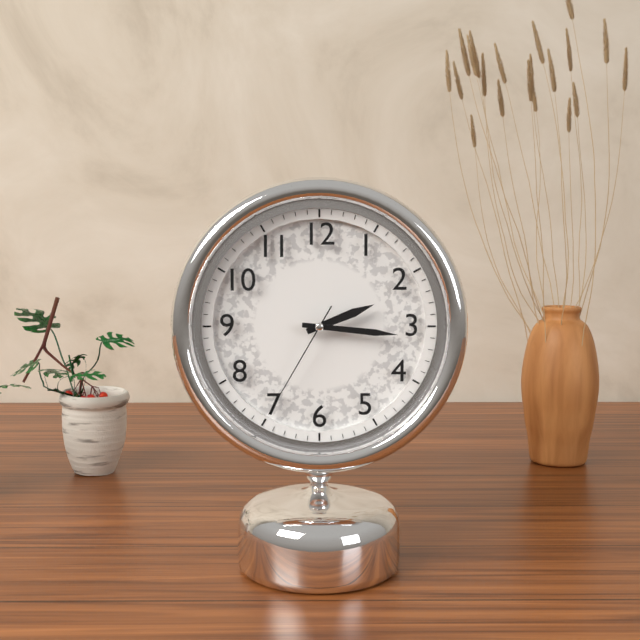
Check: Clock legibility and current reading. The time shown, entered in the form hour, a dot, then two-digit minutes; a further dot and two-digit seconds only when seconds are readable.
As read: 2.16.35
